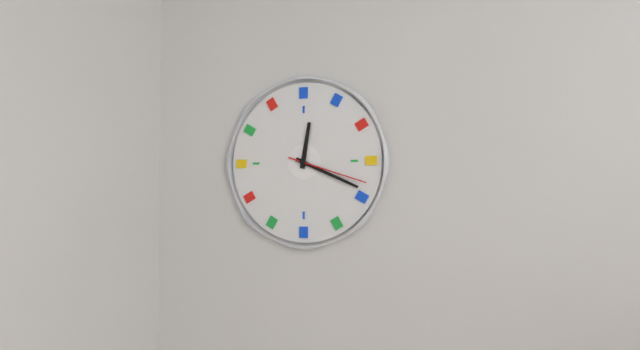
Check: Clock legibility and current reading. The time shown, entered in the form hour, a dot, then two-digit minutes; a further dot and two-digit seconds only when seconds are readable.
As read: 12.19.18
